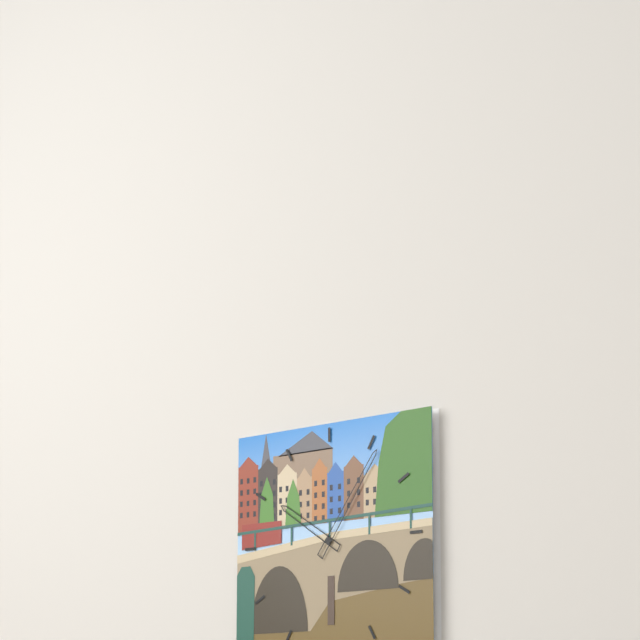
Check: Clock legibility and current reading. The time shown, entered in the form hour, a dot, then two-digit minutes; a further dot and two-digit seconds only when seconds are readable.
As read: 10.06
